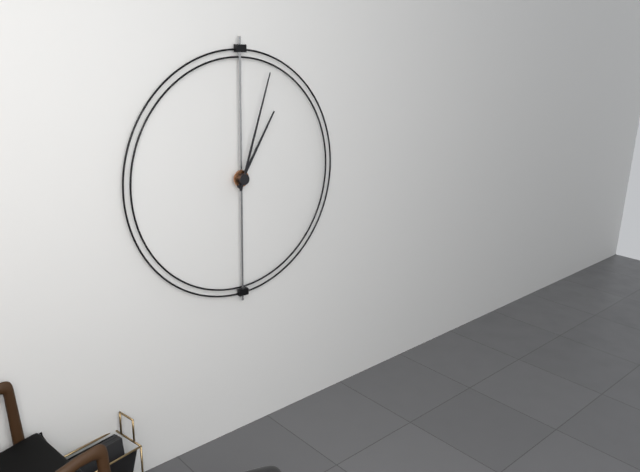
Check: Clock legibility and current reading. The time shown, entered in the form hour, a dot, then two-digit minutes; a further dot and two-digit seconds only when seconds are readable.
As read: 1.03
